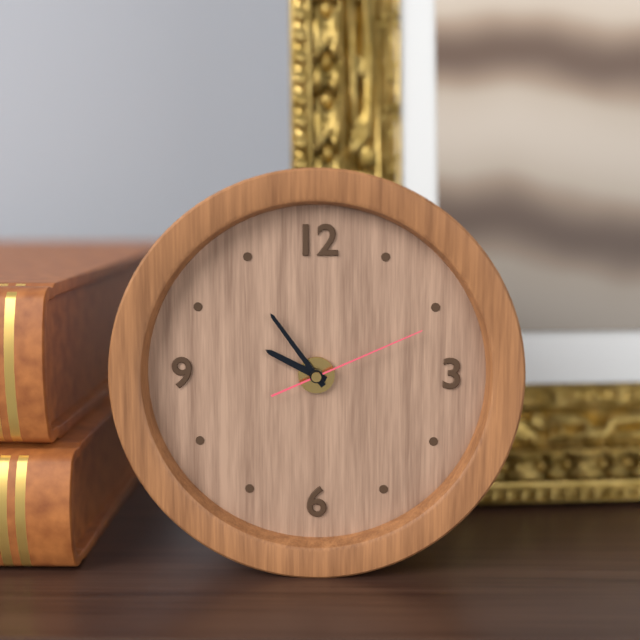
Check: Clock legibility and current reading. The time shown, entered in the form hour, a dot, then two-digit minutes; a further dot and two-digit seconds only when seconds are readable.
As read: 9.54.11
